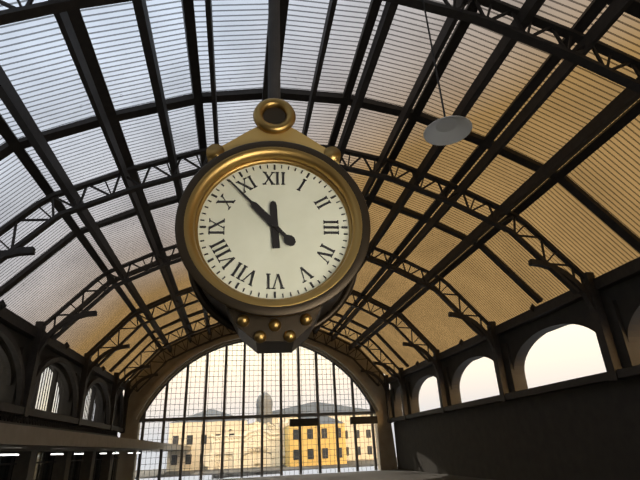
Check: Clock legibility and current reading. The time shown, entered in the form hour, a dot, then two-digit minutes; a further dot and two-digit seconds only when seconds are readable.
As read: 11.53
